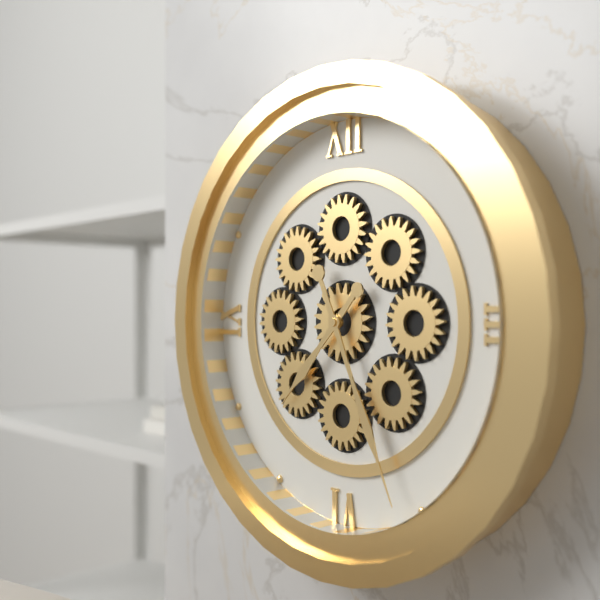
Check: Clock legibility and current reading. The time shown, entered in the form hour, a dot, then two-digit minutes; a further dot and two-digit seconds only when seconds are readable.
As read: 7.26
